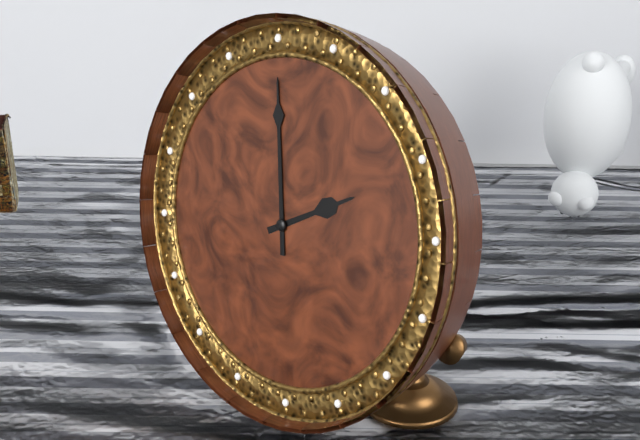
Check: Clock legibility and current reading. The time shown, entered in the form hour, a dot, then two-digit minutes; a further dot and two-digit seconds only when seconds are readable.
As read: 1.58
